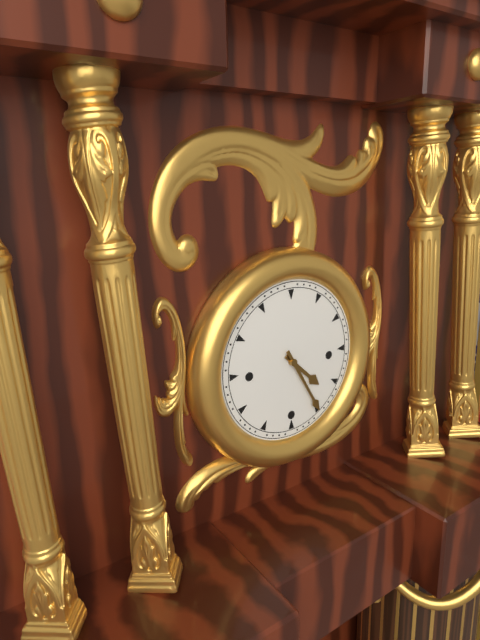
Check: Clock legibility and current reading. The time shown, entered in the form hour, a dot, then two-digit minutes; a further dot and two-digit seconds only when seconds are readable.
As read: 4.25
